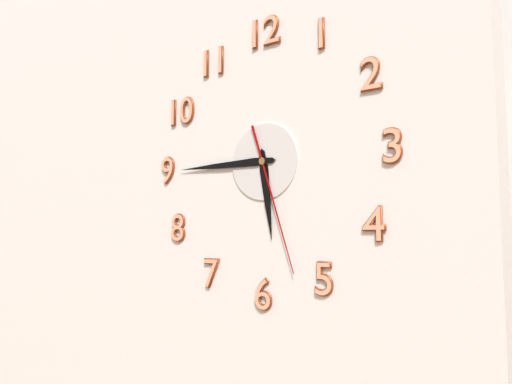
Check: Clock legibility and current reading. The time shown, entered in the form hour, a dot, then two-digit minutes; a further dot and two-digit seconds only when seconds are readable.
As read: 5.45.27
